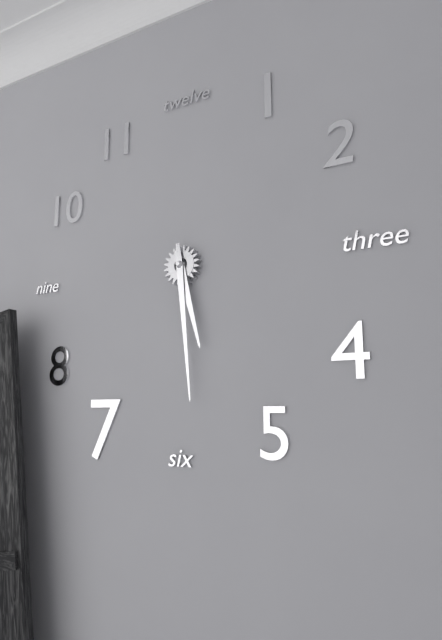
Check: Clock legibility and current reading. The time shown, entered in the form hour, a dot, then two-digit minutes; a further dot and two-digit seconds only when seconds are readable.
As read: 5.29
